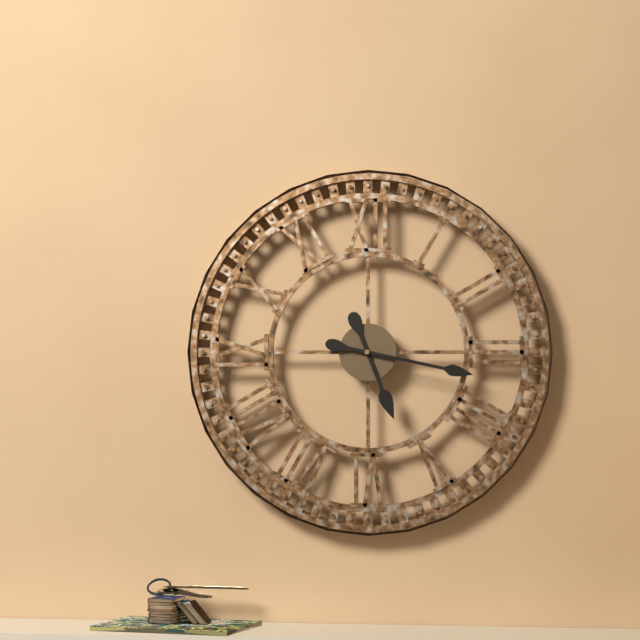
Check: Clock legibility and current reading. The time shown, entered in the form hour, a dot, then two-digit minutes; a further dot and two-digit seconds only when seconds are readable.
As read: 5.17
